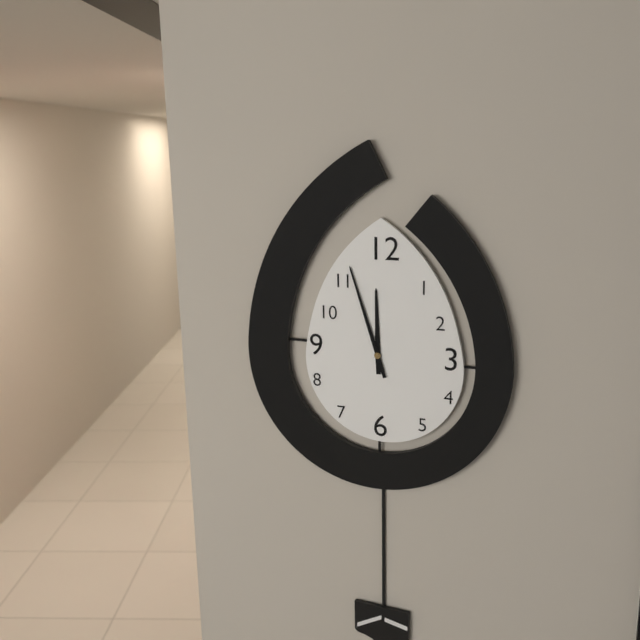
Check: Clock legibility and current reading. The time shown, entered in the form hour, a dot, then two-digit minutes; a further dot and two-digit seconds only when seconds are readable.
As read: 11.57
